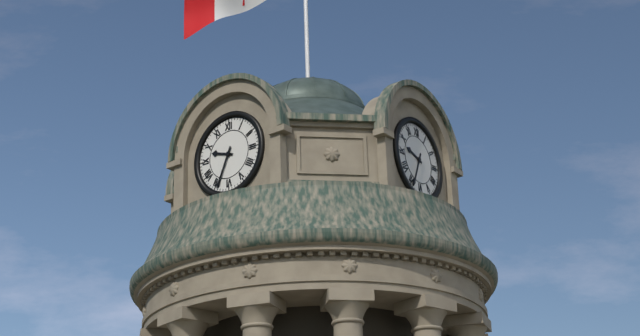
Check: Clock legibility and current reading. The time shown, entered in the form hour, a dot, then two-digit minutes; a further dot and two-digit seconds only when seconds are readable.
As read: 9.34
